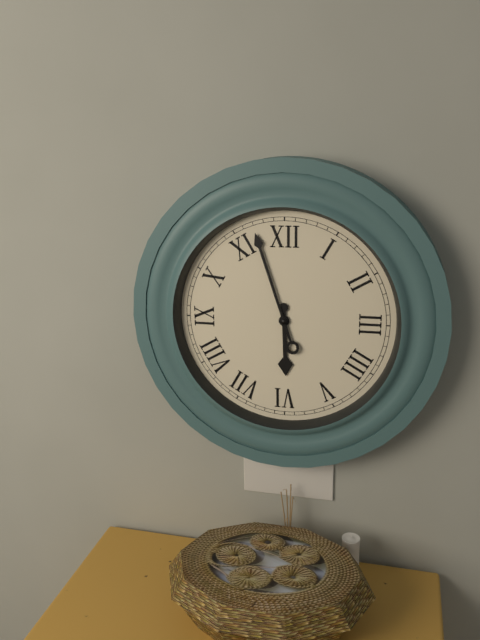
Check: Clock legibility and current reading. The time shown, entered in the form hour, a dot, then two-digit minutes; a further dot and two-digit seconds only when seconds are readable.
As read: 5.57
